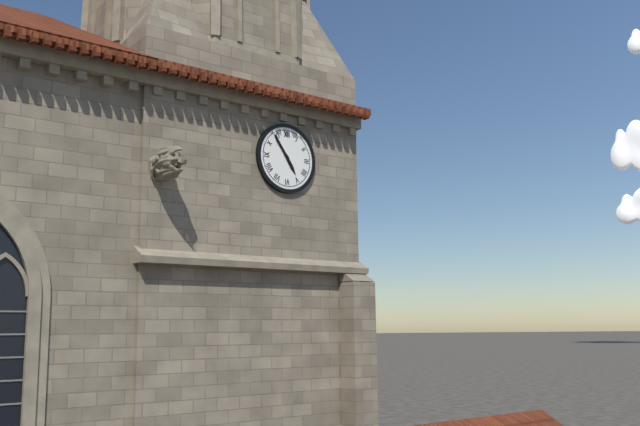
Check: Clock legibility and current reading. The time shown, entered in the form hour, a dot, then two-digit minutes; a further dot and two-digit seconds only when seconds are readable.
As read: 4.54
